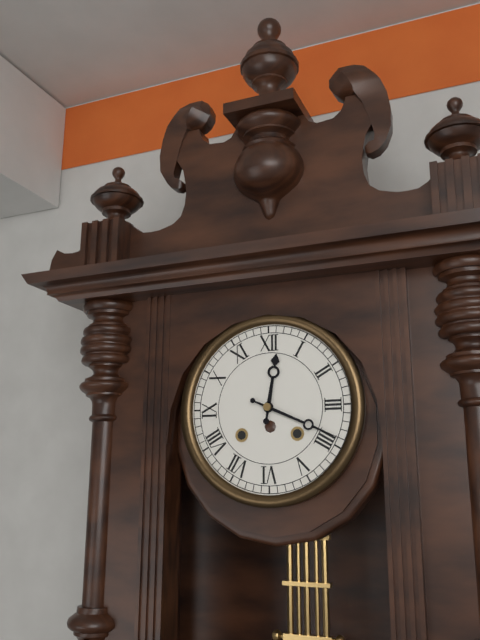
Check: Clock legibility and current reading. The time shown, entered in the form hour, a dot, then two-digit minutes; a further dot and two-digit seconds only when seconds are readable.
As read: 12.19
